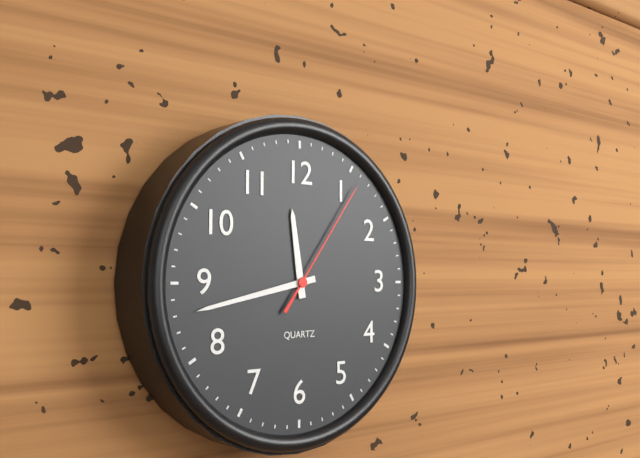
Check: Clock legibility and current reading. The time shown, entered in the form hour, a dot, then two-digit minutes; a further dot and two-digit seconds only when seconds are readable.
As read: 11.43.06
